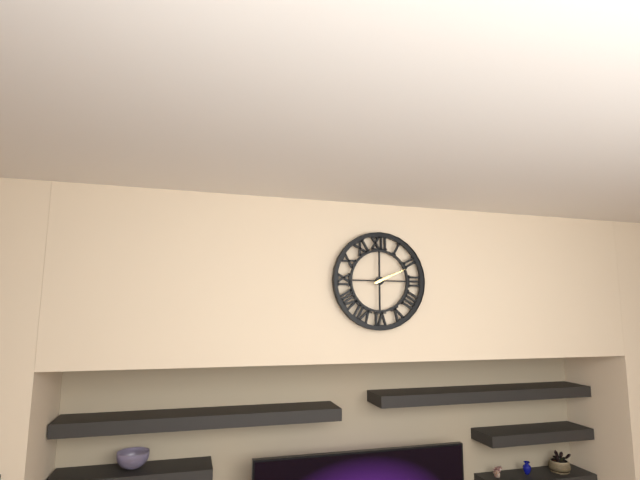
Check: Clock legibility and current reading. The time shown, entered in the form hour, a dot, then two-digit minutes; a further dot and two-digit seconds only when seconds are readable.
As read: 2.11
